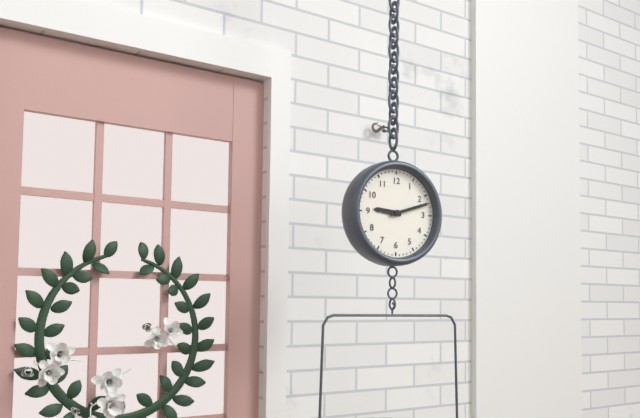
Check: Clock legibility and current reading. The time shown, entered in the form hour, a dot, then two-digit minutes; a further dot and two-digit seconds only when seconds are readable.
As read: 9.12
